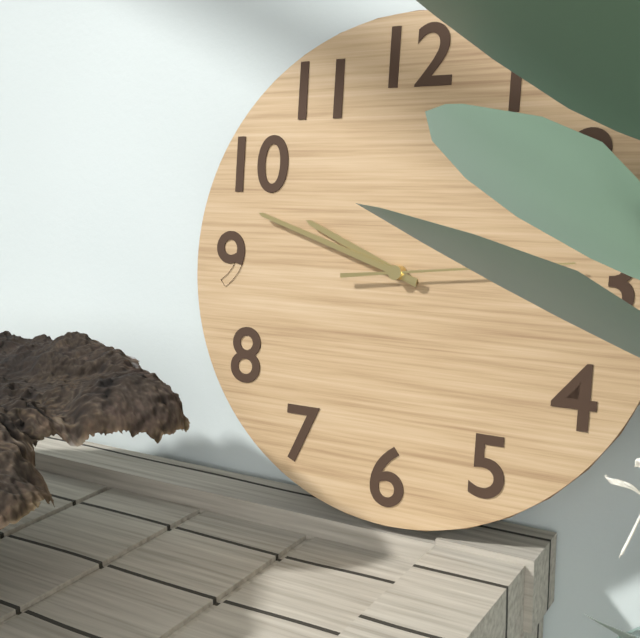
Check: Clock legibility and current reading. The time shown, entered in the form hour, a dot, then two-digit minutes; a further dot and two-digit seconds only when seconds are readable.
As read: 9.48
